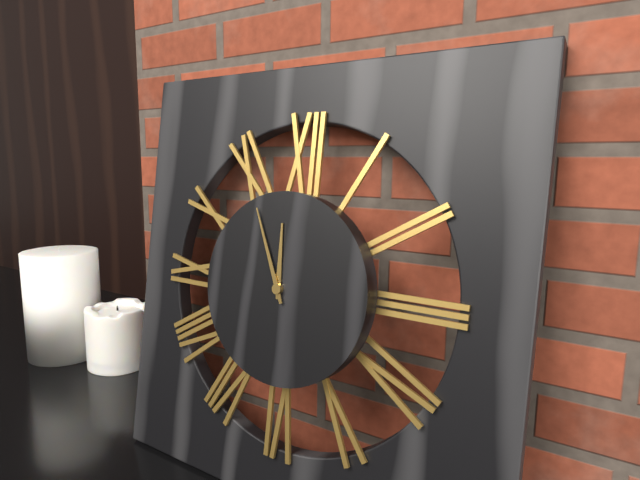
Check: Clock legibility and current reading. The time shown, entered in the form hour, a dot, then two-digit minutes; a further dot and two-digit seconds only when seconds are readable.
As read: 11.56
